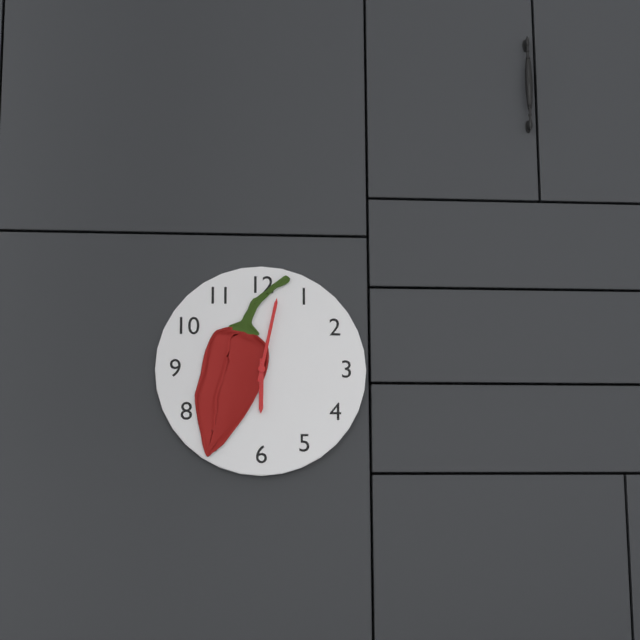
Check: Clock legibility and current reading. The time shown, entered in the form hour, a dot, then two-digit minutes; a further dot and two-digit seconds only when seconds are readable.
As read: 6.02
